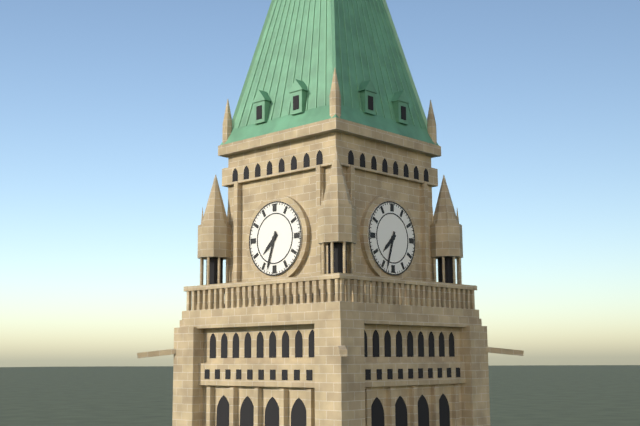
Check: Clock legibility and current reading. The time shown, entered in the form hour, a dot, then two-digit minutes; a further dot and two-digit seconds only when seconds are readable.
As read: 7.33
